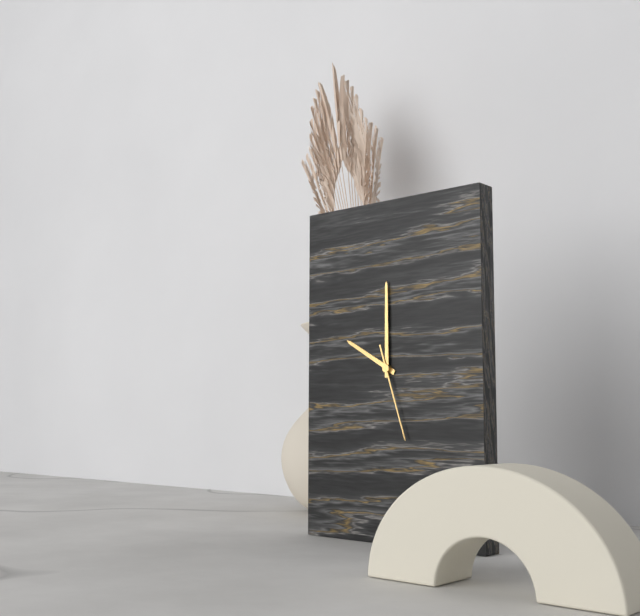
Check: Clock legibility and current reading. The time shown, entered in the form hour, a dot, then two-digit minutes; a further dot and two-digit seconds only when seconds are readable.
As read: 10.00.27
